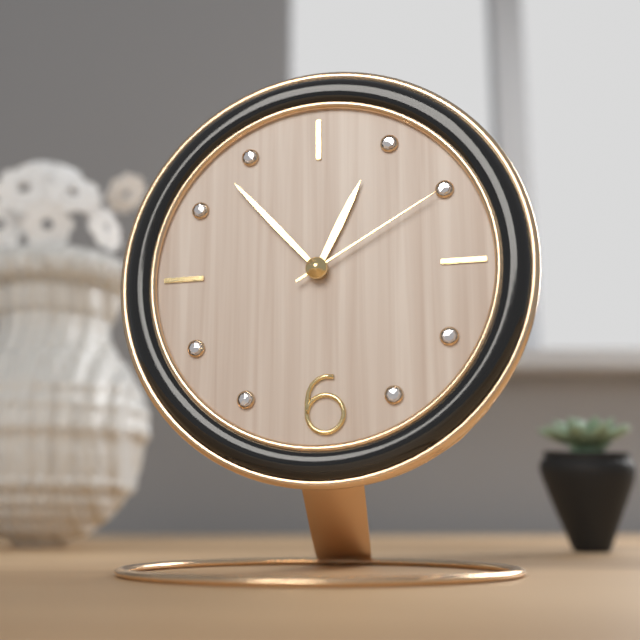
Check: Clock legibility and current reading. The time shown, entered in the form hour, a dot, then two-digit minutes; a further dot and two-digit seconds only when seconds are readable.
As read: 12.53.10
